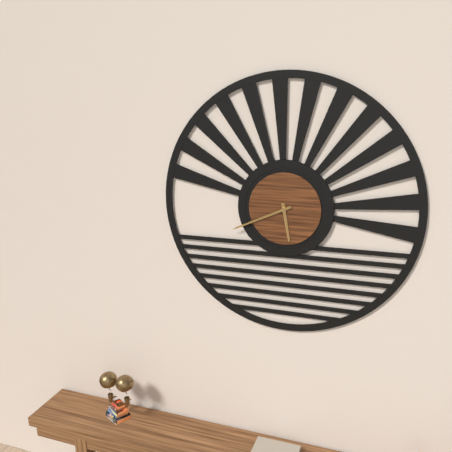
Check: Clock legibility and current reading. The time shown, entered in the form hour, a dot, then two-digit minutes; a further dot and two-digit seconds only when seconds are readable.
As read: 5.41
